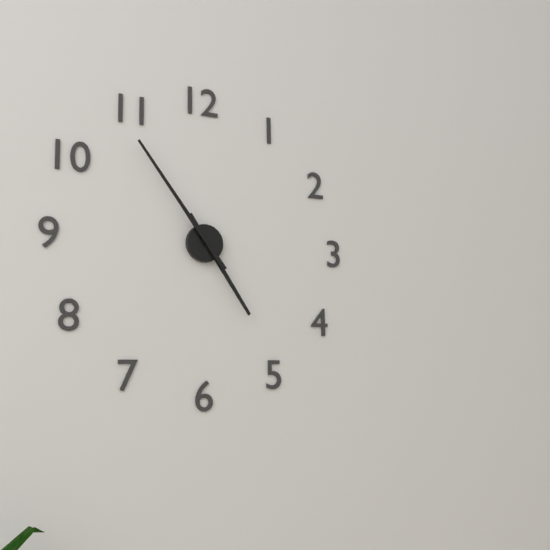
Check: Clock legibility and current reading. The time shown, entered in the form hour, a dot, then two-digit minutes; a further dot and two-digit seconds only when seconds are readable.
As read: 4.54
